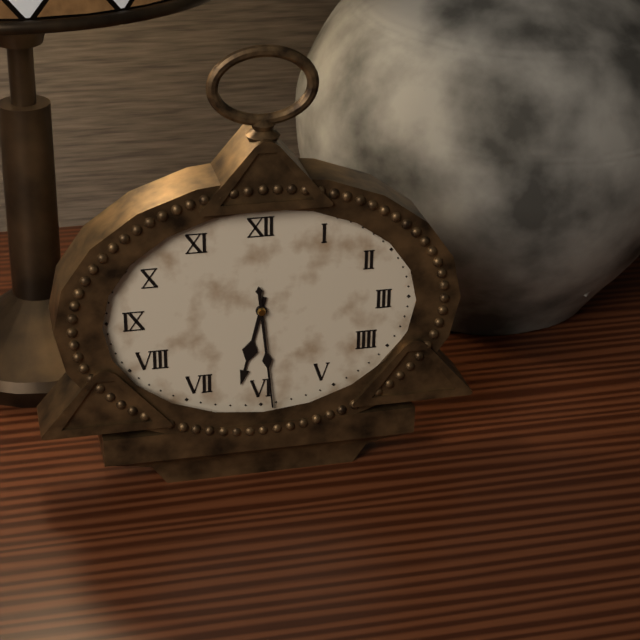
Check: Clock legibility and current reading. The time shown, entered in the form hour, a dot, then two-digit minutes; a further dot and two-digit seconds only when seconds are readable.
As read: 6.29
